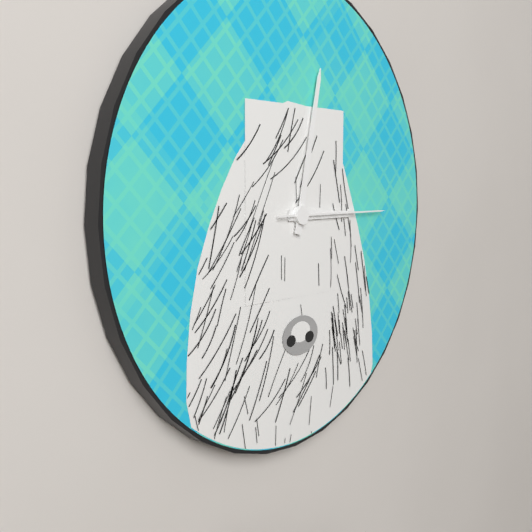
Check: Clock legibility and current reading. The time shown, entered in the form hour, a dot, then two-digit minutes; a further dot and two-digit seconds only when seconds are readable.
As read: 3.02.15
